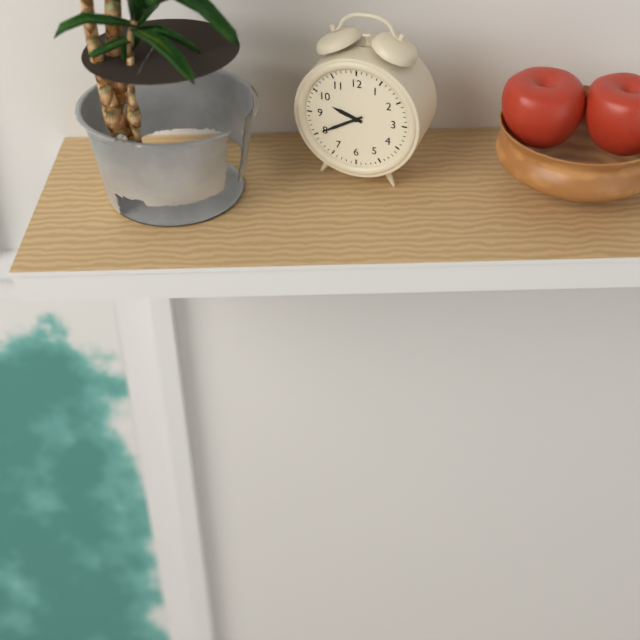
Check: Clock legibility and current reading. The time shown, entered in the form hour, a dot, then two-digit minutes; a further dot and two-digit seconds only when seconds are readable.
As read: 9.40
